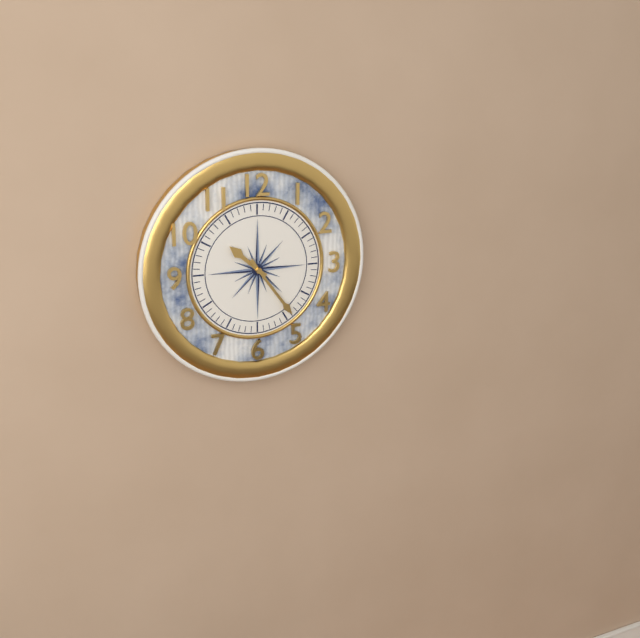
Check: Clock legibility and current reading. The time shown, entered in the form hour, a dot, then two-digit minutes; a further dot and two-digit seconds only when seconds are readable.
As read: 10.24
